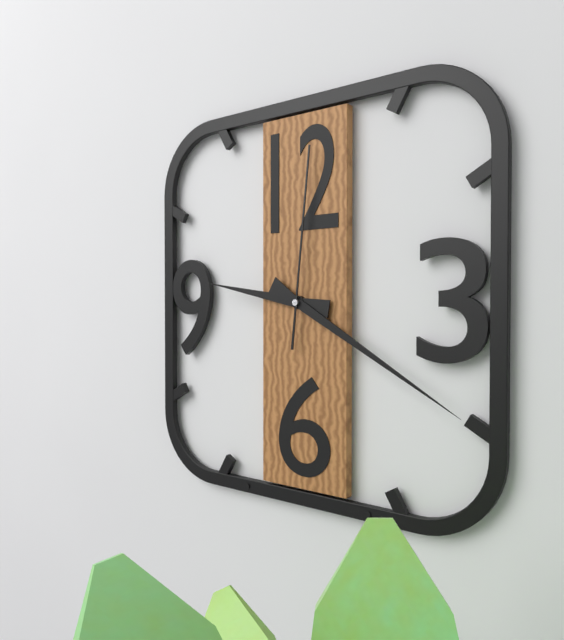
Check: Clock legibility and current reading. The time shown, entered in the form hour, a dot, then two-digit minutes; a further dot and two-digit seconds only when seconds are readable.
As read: 9.20.01
